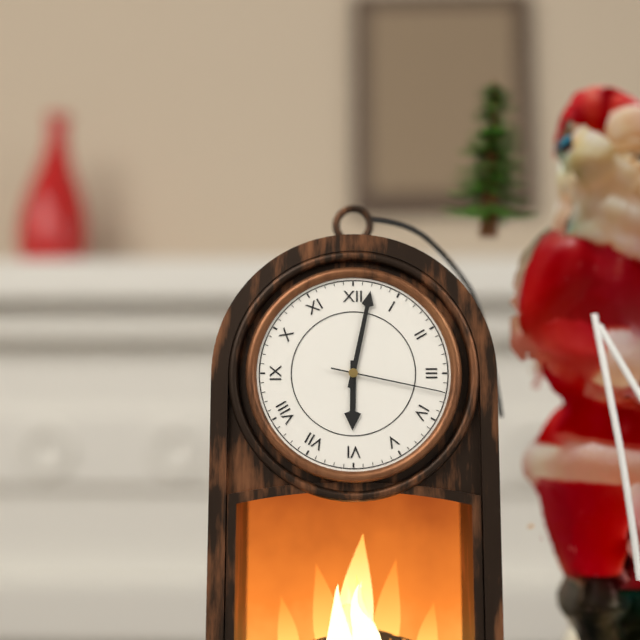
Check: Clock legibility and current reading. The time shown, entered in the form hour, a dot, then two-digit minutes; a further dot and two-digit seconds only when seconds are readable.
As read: 6.02.17
